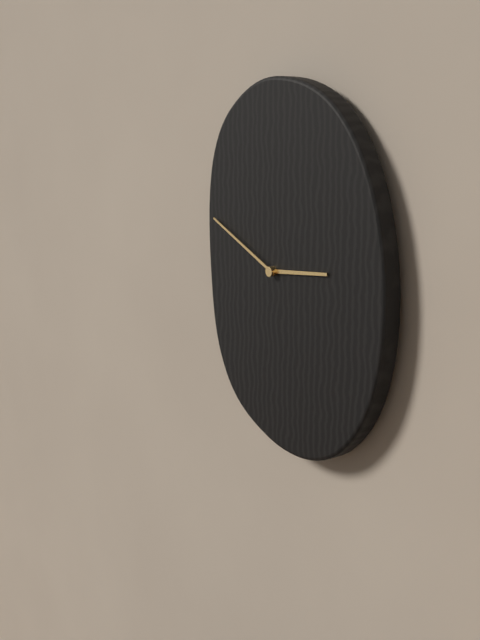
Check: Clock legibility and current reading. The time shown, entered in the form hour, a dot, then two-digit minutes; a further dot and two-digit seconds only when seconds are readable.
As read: 2.49
